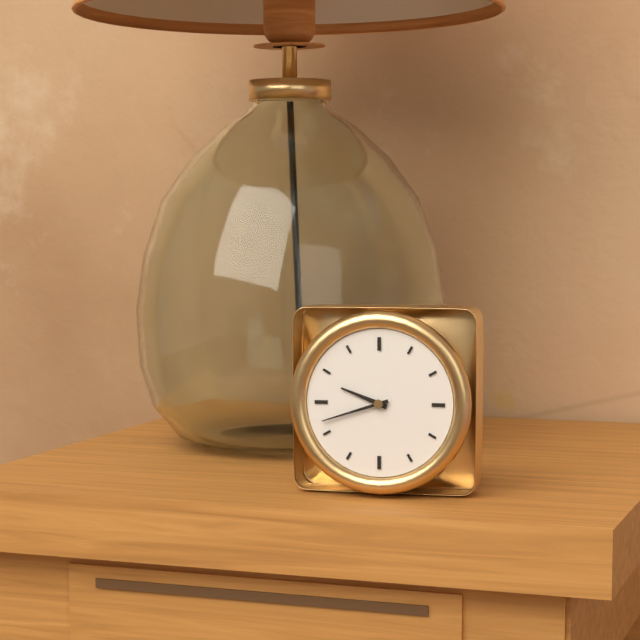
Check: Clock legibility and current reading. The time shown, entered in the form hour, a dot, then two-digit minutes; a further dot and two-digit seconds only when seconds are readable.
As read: 9.42
